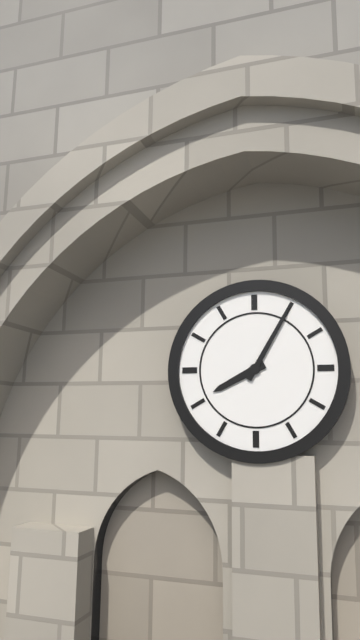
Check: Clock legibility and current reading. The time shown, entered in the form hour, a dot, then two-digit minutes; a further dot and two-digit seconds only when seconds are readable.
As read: 8.05
